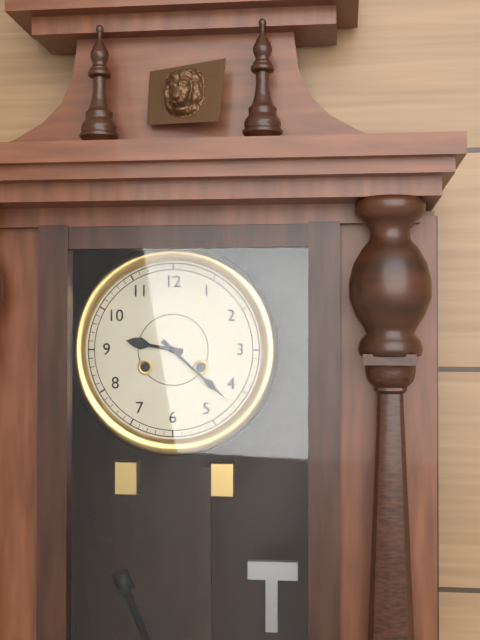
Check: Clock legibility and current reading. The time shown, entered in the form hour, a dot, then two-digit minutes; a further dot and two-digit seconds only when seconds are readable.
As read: 9.22
